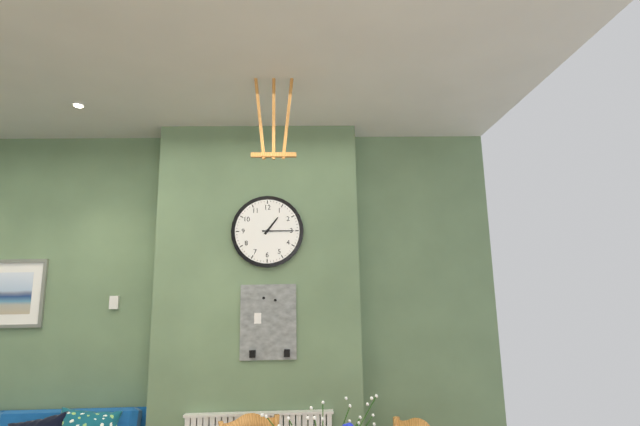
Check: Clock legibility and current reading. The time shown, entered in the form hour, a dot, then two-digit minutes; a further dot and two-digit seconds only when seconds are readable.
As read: 1.15
